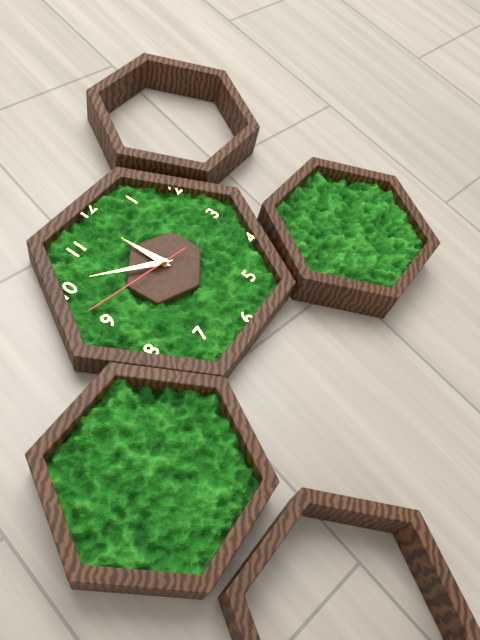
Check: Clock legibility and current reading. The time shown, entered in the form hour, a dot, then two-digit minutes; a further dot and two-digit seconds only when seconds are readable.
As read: 11.51.47
